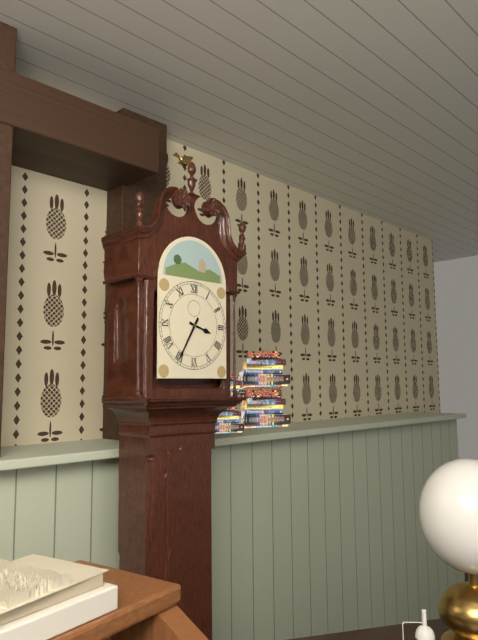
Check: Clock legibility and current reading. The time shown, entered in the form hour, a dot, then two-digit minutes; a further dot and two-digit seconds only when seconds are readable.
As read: 3.35
